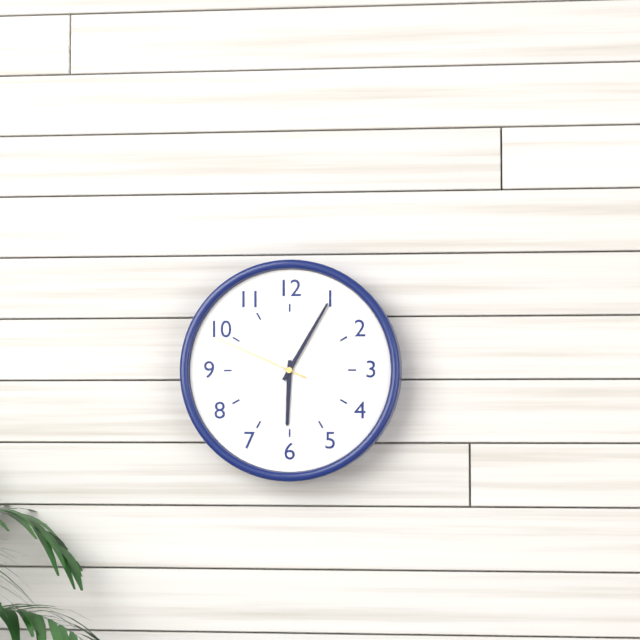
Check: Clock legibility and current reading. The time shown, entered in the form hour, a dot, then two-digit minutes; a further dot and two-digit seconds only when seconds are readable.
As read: 6.05.49
